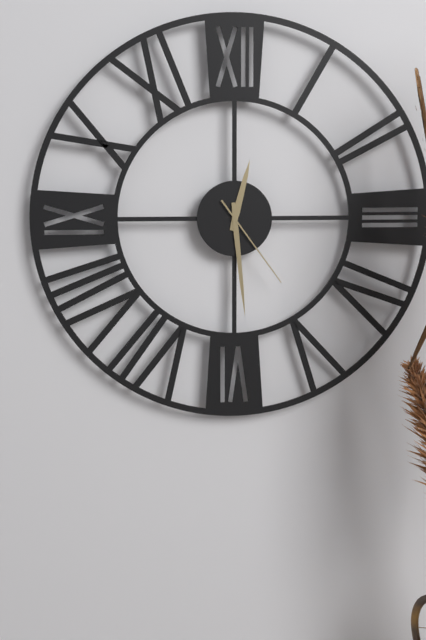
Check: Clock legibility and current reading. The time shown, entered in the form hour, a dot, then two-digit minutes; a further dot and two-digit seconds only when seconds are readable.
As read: 12.29.24
